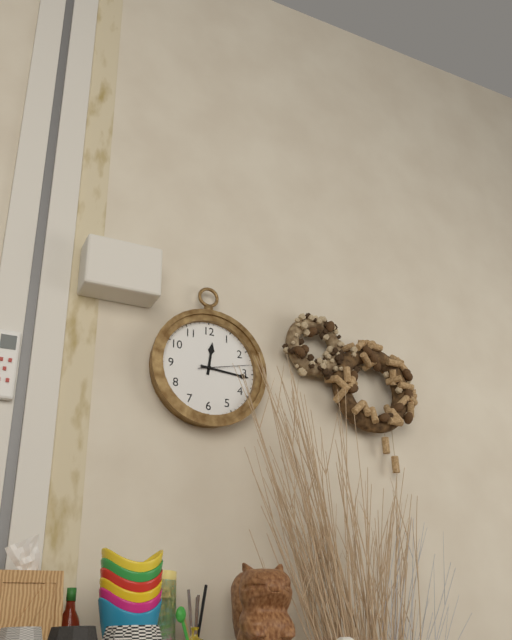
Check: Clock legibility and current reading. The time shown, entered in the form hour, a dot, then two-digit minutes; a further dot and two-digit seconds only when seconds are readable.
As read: 12.16.13
